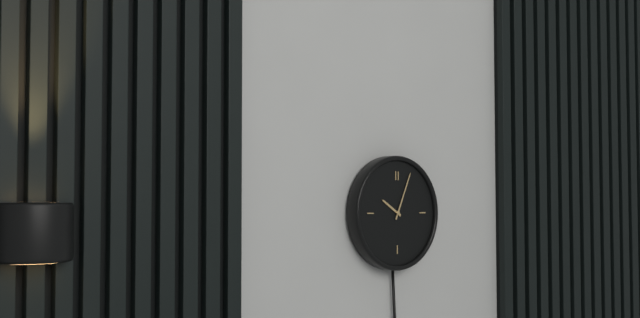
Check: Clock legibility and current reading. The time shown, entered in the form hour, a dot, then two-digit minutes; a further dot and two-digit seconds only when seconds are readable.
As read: 10.04
